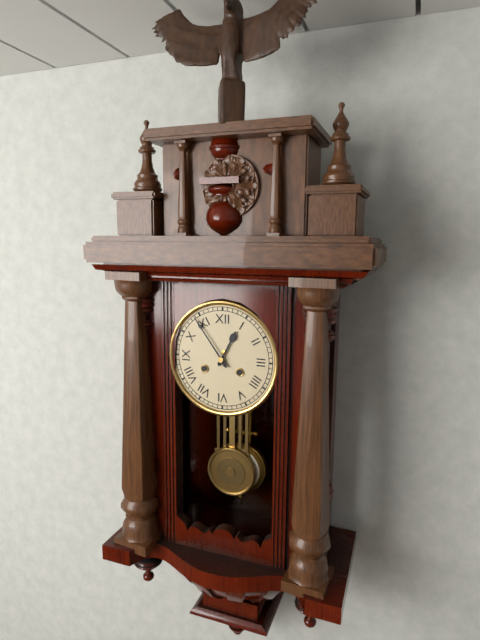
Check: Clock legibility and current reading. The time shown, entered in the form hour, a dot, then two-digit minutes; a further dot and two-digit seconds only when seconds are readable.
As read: 12.54
